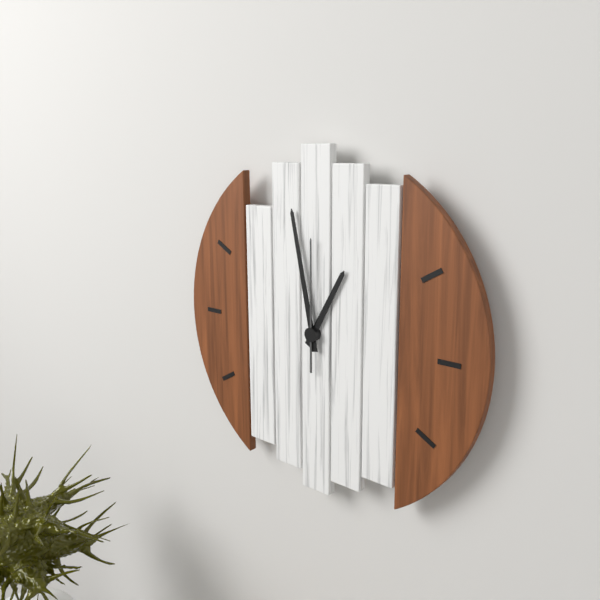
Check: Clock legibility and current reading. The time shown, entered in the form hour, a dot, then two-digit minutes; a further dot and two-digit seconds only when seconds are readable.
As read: 12.58.00
